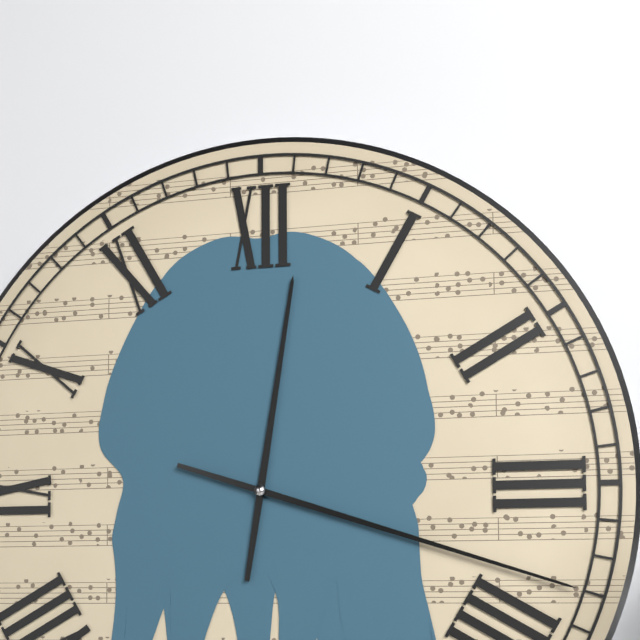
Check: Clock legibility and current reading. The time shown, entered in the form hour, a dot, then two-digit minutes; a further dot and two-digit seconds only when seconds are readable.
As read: 12.18
